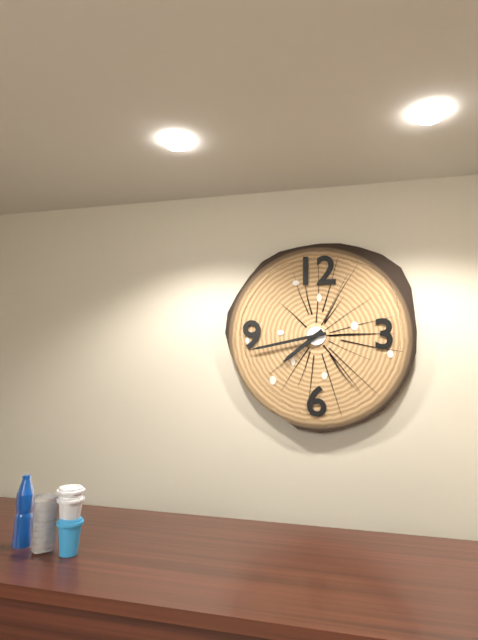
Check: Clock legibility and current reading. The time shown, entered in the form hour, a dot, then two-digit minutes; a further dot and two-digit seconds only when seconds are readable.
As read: 7.43
